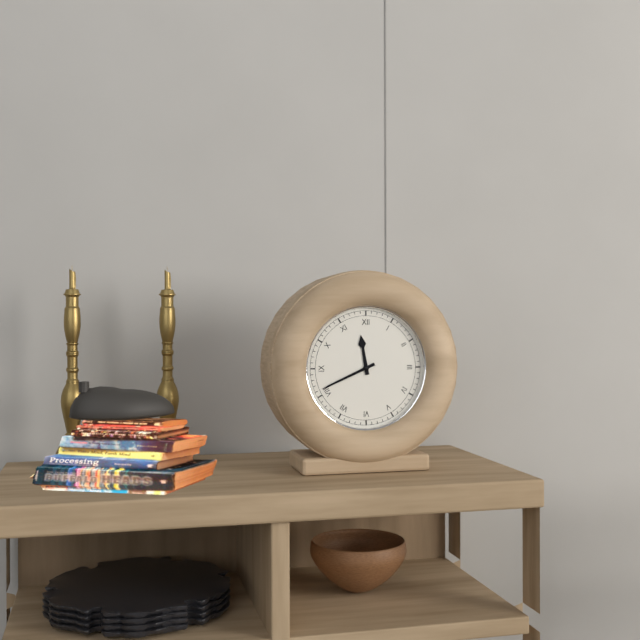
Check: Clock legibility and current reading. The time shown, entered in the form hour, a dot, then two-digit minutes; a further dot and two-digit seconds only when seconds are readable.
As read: 11.41
